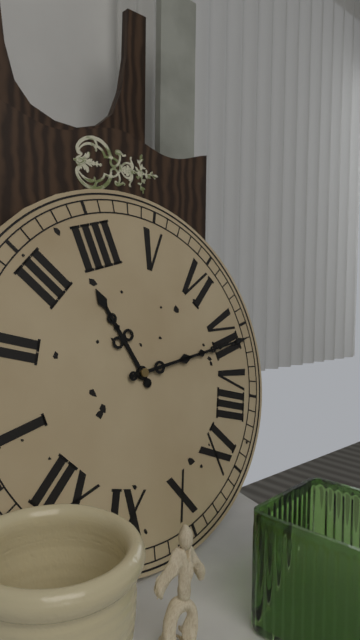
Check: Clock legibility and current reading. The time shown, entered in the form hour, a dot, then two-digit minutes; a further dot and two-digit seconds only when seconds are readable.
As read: 3.36
